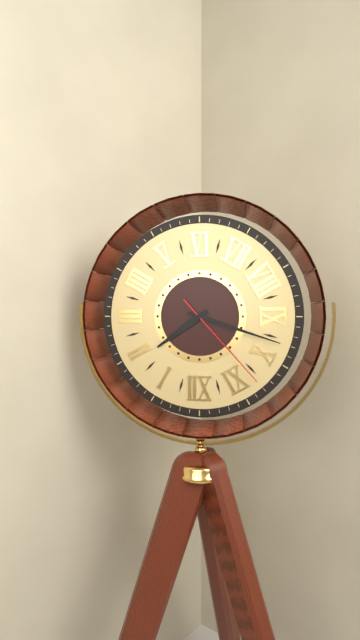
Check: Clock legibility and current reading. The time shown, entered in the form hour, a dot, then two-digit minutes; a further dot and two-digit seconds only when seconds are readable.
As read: 1.48.53
